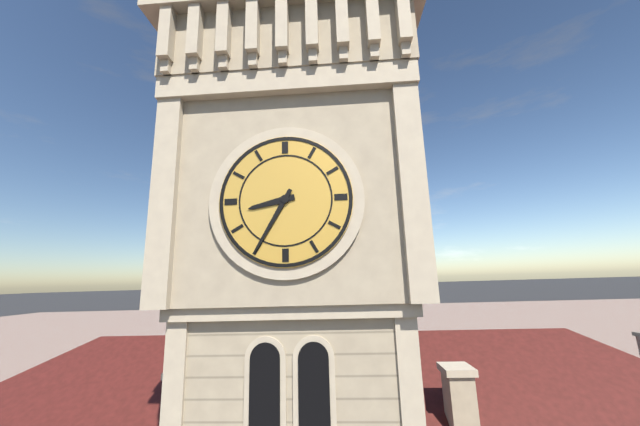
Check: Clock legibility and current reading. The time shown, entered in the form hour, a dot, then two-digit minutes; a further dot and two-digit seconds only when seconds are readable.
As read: 8.35
